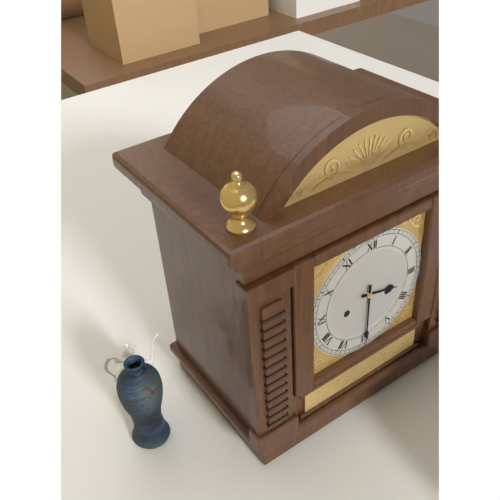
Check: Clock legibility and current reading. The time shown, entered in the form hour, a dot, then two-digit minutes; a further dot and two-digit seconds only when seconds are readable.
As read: 3.30
